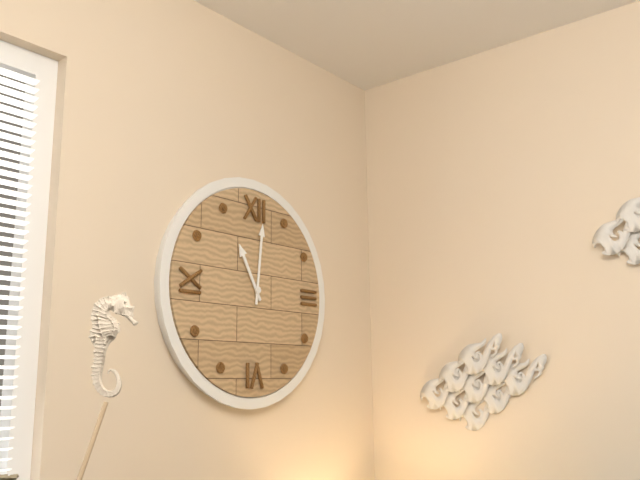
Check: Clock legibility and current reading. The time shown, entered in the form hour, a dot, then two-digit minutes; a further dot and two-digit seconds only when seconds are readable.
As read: 11.01
